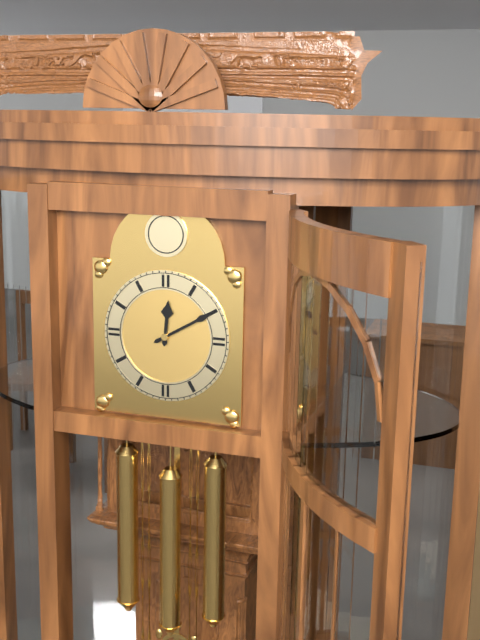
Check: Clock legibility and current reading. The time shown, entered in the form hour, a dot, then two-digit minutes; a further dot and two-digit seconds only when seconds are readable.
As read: 12.10
